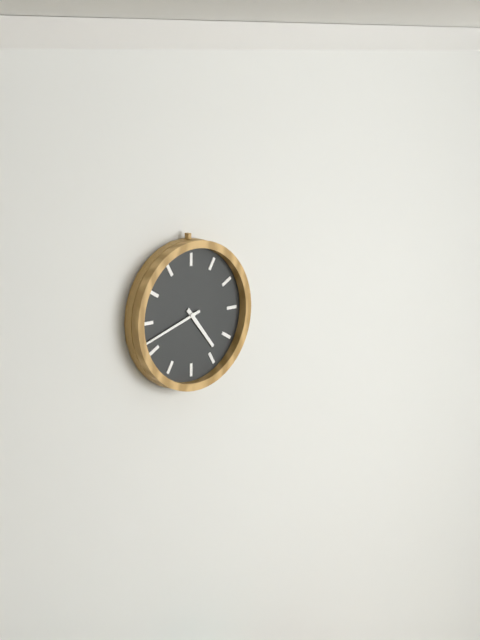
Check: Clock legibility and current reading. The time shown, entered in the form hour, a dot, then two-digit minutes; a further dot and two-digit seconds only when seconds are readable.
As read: 4.42
